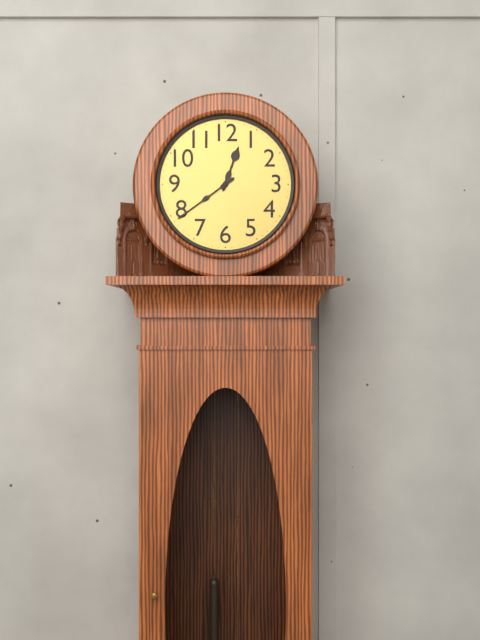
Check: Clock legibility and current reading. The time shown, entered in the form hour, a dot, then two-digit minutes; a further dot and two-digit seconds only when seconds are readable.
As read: 12.39
